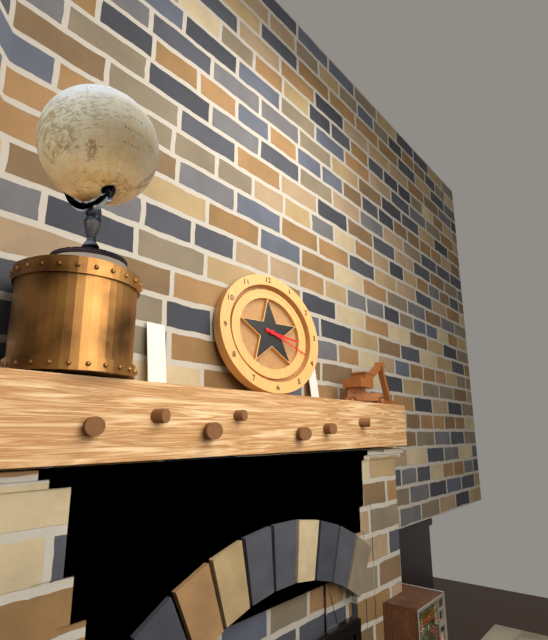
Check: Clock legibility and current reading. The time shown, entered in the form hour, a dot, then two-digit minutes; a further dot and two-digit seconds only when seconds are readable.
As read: 3.19
